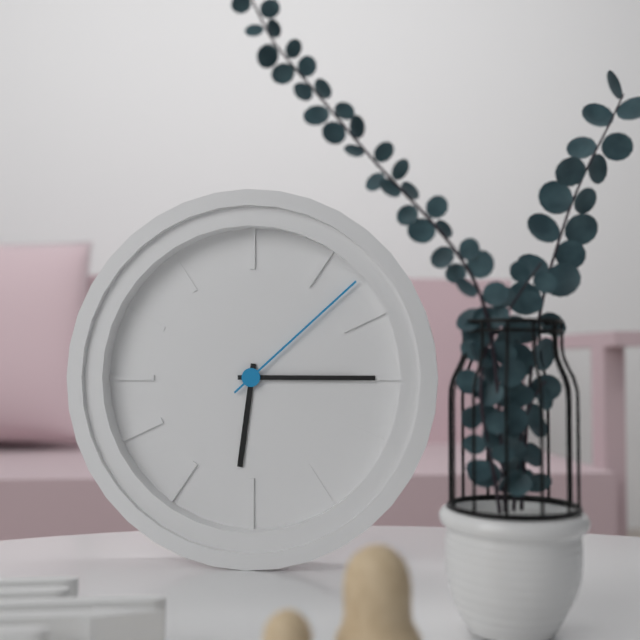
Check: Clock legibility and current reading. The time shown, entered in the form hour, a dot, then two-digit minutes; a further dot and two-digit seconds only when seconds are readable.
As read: 6.15.08
